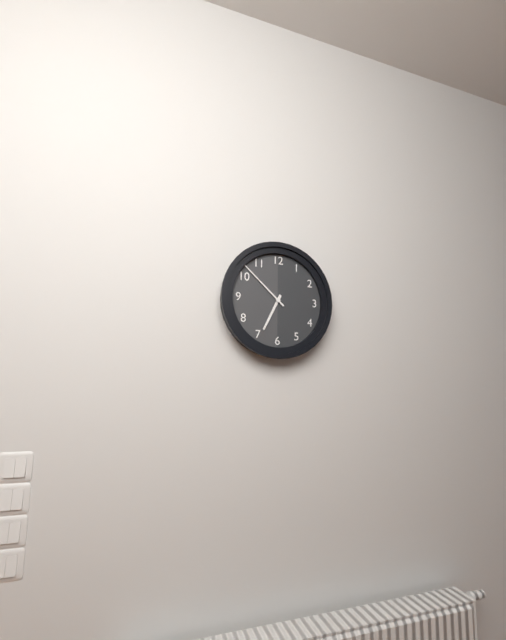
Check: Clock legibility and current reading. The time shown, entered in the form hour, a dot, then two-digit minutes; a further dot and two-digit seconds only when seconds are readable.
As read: 6.52
